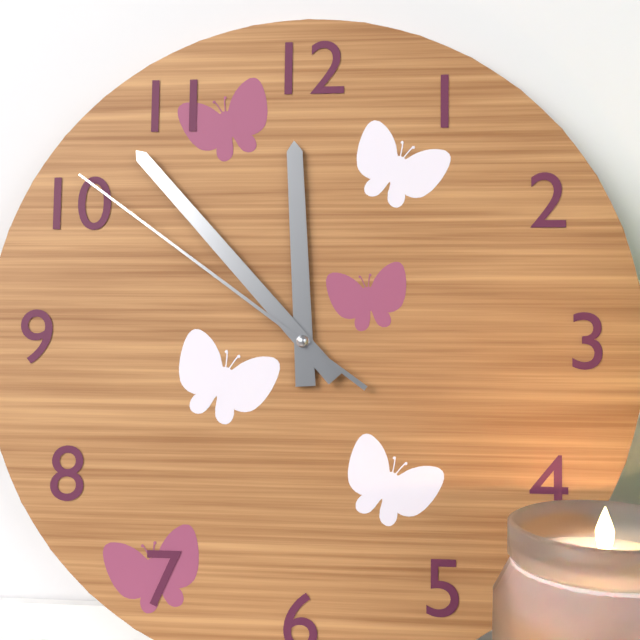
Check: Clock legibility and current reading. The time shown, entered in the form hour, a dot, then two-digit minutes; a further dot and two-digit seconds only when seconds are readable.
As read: 11.53.51
